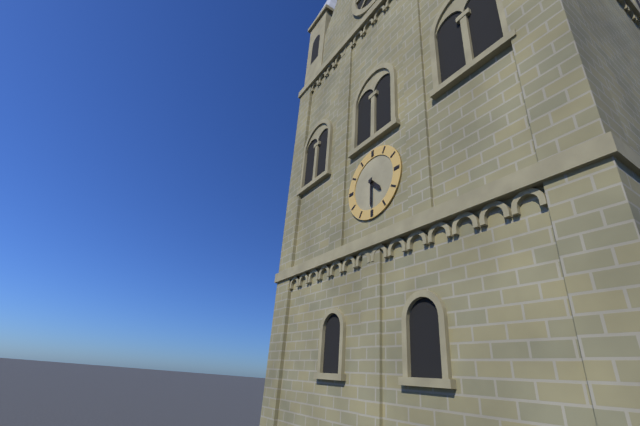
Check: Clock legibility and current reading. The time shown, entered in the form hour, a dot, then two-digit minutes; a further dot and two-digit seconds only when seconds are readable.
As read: 4.30
